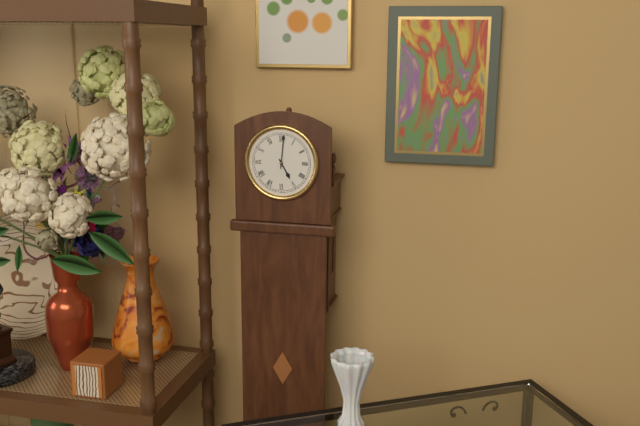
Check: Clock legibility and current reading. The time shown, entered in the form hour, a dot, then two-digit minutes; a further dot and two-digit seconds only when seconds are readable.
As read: 5.01
